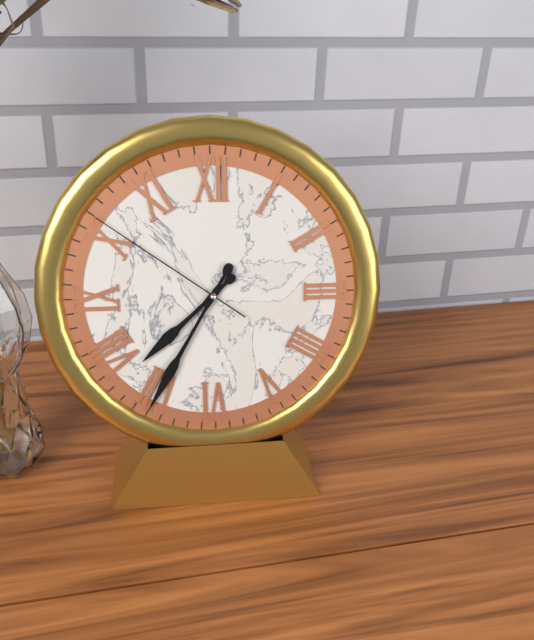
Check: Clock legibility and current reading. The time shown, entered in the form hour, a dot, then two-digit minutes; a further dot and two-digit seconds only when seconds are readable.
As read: 7.35.51
